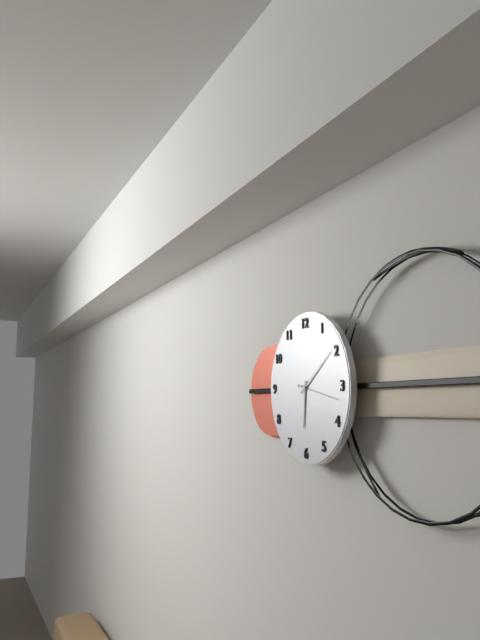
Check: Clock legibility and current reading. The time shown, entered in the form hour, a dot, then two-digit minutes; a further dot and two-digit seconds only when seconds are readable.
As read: 6.09
